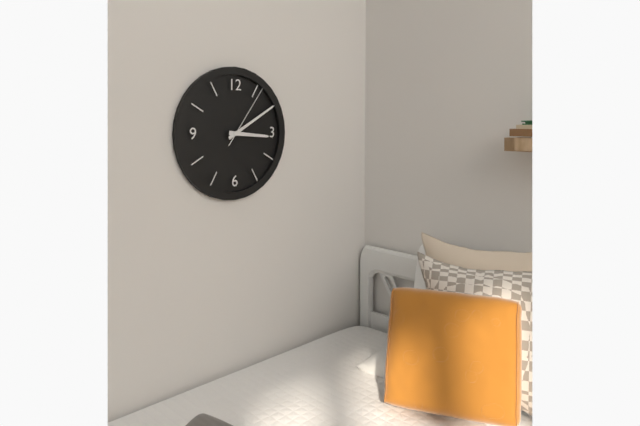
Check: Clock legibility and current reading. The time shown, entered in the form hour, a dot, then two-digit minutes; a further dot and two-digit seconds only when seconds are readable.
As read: 3.10.06
